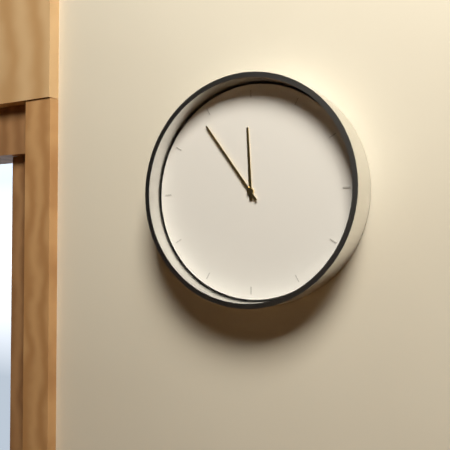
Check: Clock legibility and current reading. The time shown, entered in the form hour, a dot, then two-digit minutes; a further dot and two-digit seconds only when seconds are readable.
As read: 11.54
